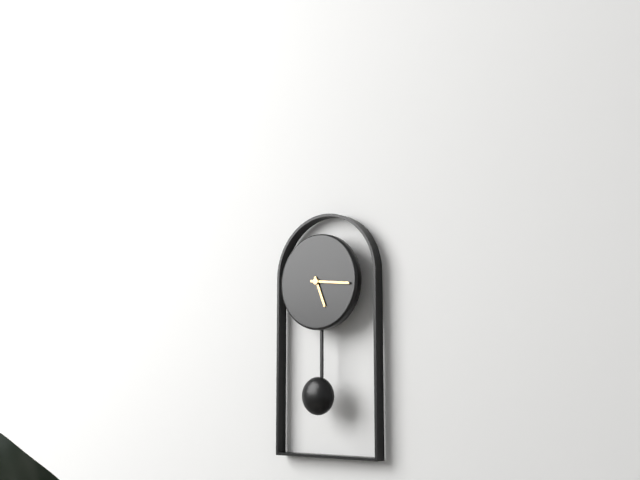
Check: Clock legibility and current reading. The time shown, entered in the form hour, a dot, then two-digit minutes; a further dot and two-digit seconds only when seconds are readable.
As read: 5.16
